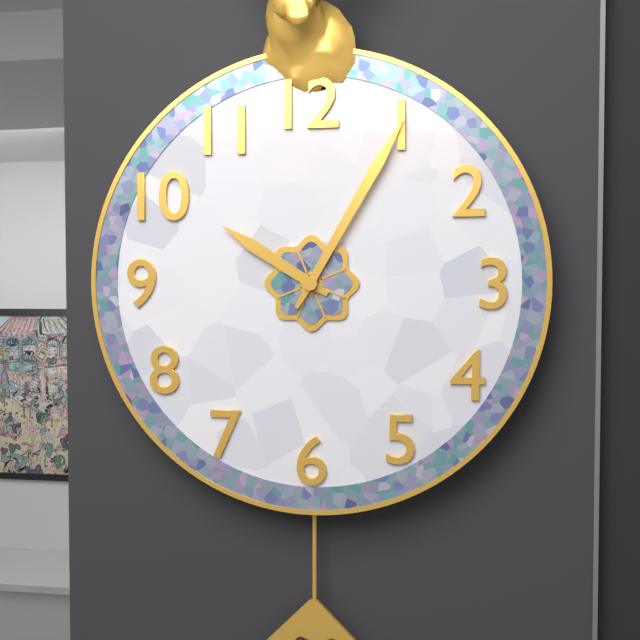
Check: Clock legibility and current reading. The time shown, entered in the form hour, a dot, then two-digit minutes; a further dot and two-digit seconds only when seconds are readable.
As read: 10.05
